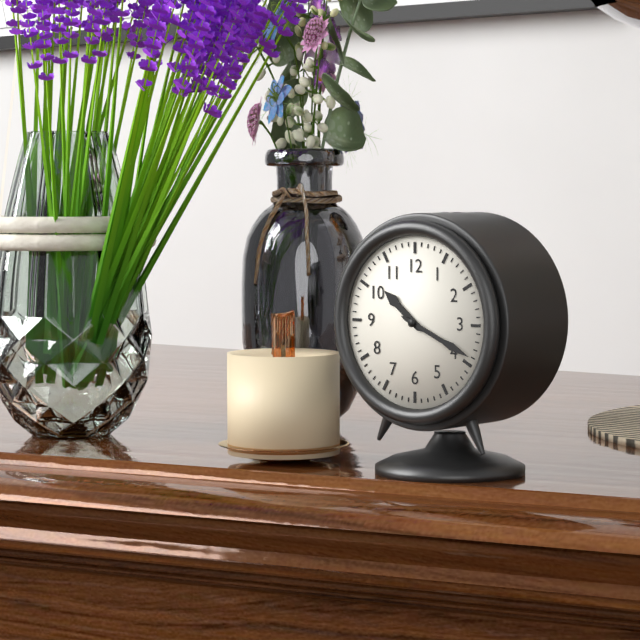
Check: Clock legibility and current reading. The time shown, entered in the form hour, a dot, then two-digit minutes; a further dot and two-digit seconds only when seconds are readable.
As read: 10.19
